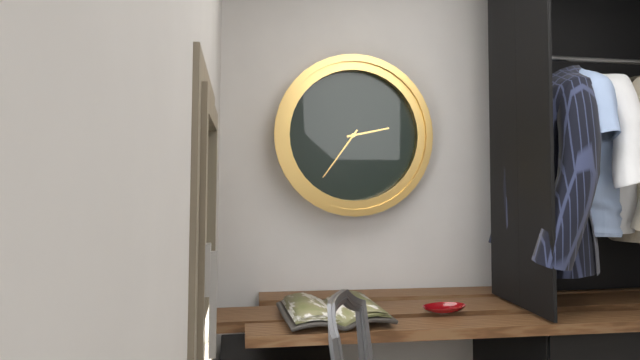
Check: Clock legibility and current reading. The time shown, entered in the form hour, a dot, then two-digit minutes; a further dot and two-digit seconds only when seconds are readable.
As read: 2.36
